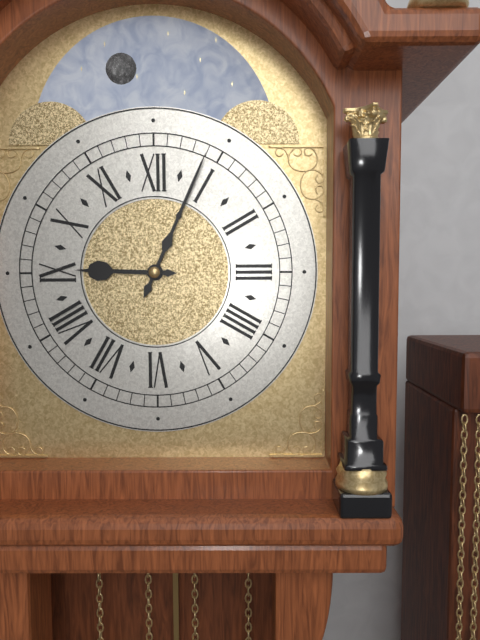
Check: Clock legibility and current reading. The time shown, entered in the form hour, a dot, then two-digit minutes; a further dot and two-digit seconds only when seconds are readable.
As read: 9.04
